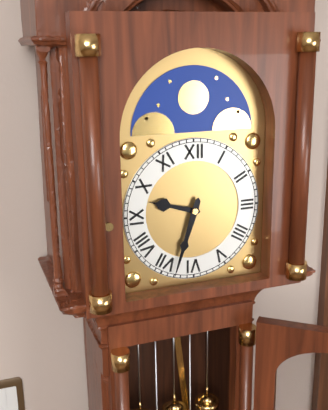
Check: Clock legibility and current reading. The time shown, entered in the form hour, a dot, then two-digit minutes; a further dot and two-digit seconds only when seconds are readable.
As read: 9.33
